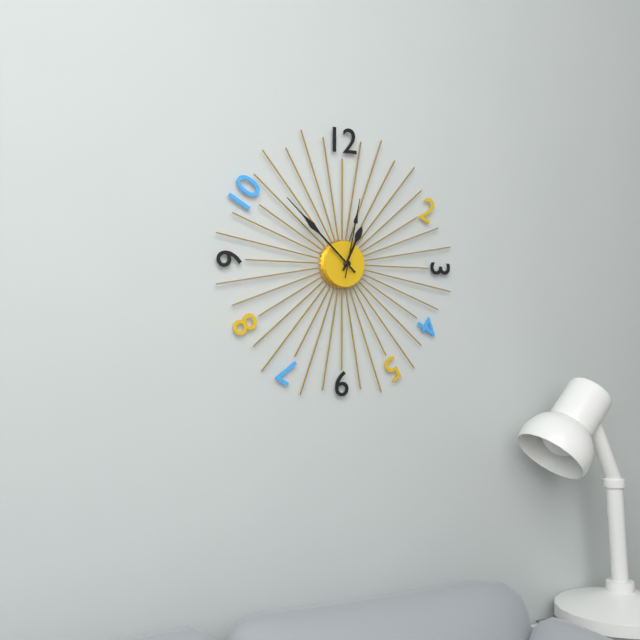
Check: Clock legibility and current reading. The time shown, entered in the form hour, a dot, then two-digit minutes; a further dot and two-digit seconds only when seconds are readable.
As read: 12.52.02
